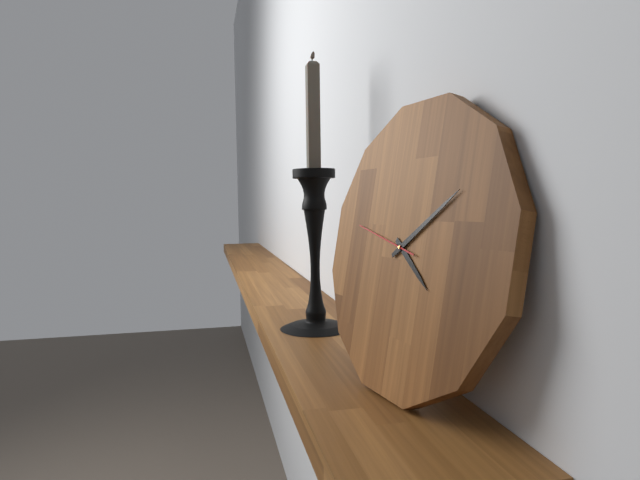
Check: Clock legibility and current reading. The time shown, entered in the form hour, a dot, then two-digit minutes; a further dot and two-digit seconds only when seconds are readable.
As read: 4.09.47
